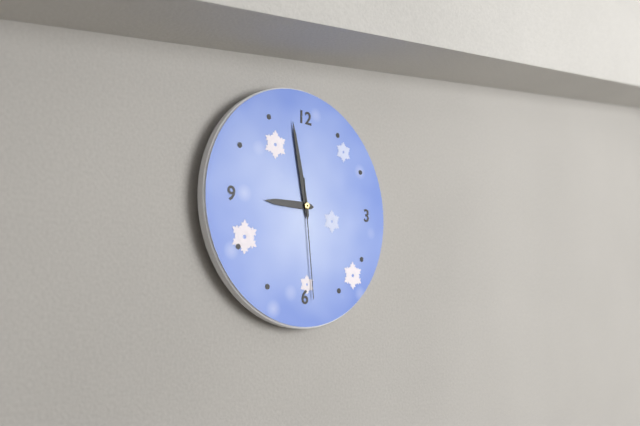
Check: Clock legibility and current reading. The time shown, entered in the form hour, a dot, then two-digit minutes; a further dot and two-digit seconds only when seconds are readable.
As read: 8.58.29
